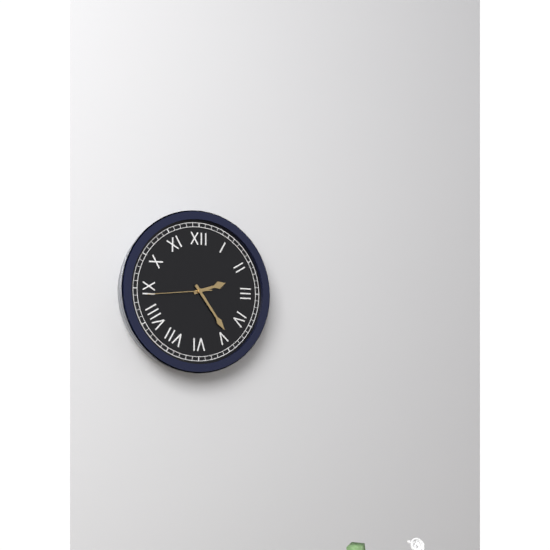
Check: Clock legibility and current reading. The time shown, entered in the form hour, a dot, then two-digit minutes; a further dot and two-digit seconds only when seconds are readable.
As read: 2.24.44
